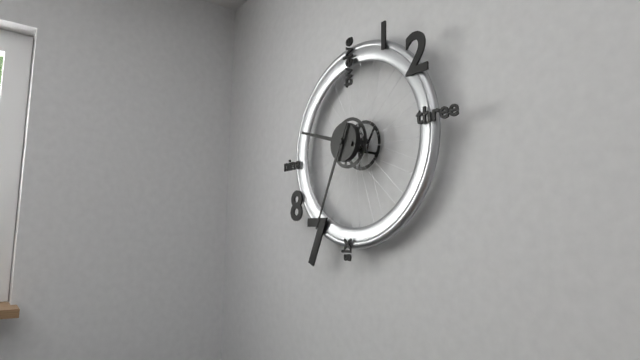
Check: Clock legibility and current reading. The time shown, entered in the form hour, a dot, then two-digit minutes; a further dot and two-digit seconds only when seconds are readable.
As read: 9.34
